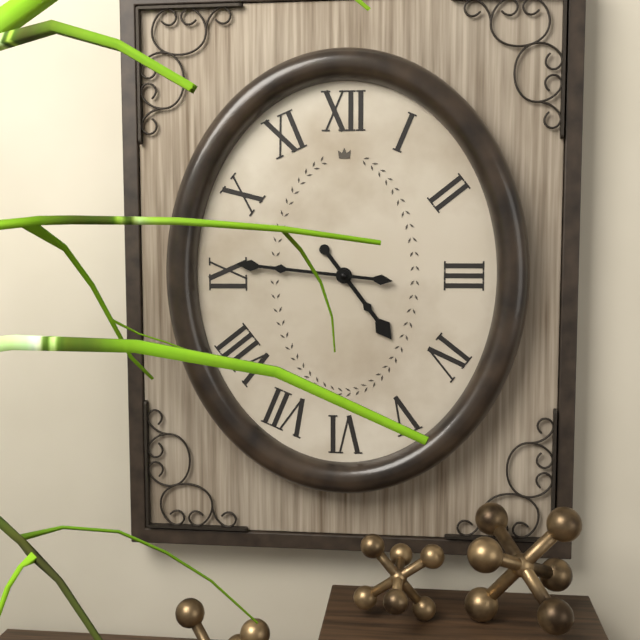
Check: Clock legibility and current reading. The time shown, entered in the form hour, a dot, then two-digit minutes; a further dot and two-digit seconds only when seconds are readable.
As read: 4.46
